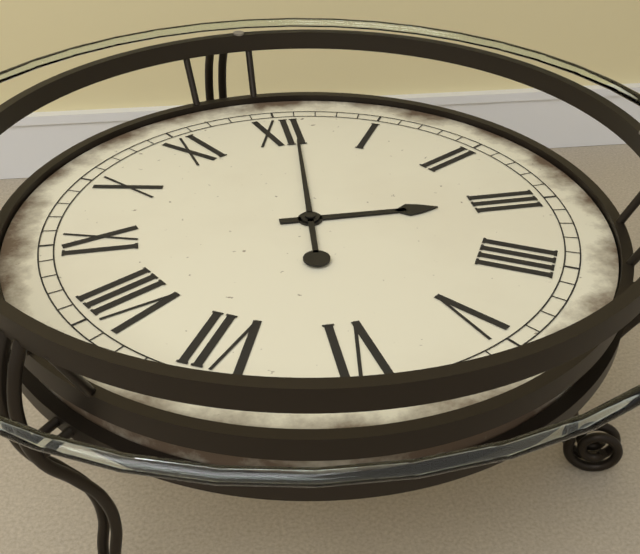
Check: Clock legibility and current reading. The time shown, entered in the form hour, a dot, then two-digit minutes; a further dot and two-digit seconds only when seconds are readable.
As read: 3.01
